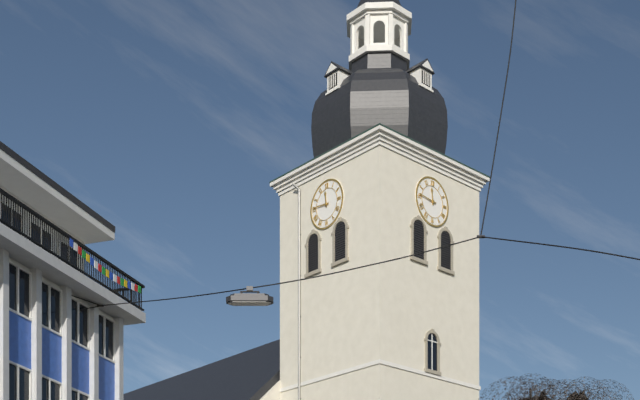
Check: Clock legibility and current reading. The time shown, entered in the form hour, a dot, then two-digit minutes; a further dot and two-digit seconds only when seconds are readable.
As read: 11.46
